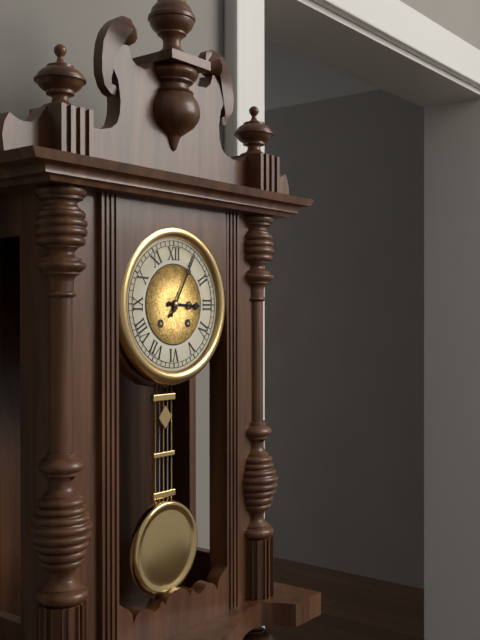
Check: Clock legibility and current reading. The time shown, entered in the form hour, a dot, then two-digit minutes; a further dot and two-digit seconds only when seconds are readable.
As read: 3.05
